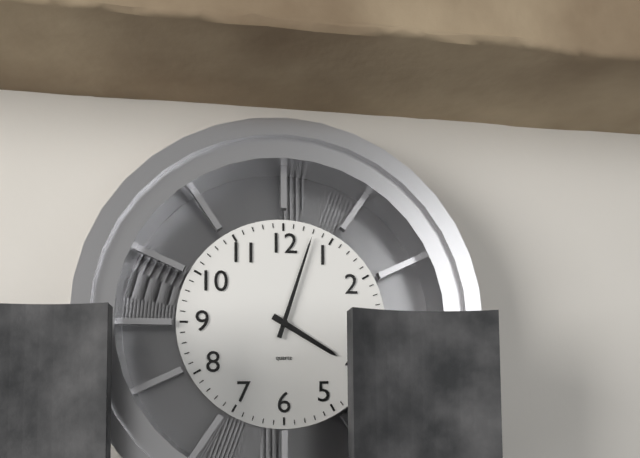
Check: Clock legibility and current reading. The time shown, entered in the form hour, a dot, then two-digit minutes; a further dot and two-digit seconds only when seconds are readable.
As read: 4.03
